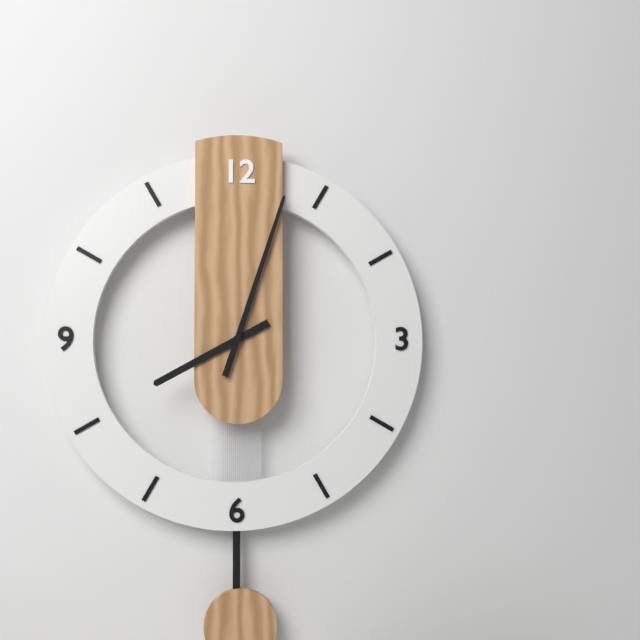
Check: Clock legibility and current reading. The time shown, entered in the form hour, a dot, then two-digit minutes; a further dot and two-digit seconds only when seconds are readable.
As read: 8.03
